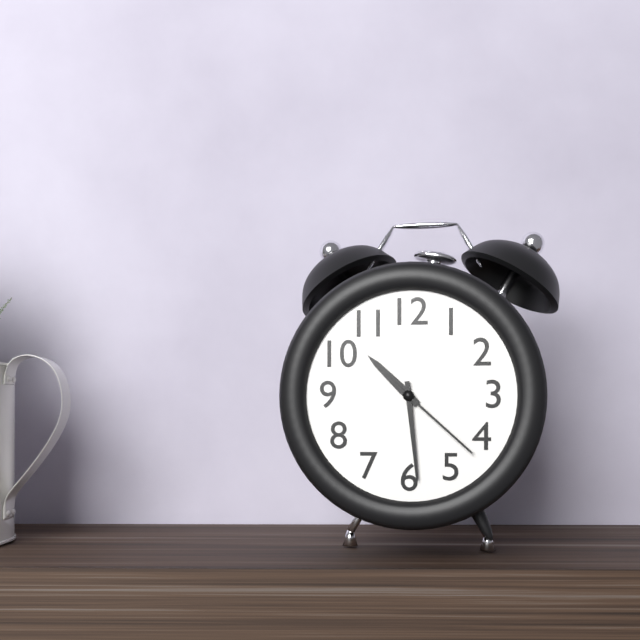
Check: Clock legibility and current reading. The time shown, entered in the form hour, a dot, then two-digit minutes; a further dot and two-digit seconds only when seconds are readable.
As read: 10.29.22
